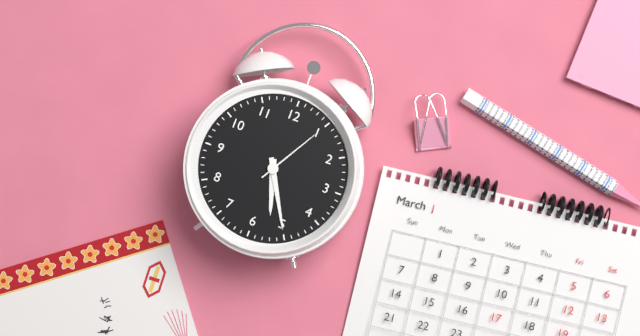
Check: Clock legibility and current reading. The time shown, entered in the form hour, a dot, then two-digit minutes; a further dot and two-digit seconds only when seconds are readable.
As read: 5.25.05
